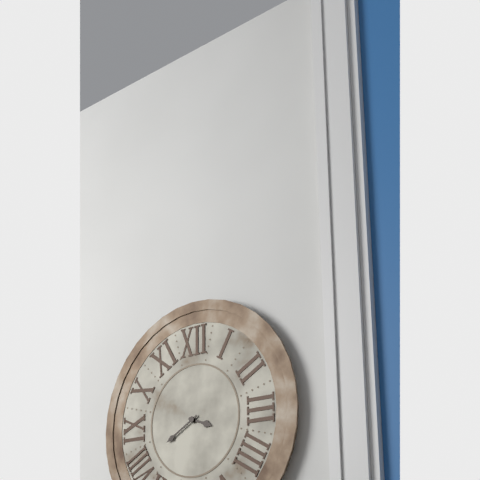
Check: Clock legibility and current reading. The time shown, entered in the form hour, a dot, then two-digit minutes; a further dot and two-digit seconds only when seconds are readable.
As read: 3.40
